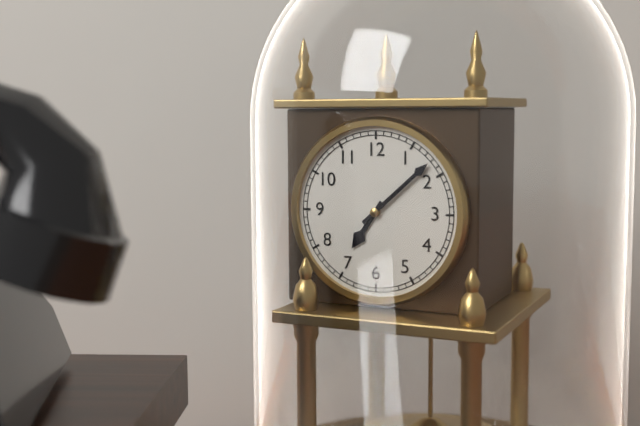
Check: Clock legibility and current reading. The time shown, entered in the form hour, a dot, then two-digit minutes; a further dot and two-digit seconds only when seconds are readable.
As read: 7.08
